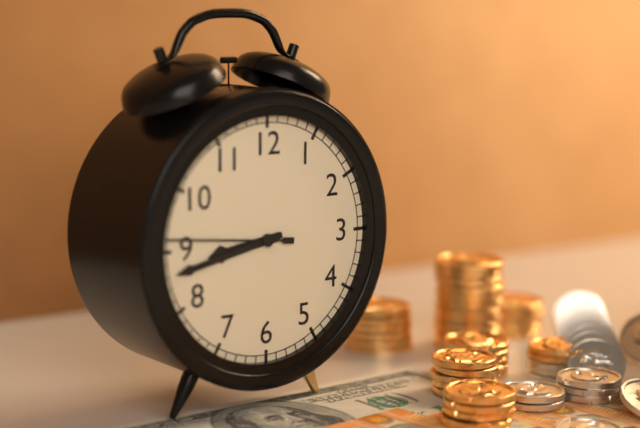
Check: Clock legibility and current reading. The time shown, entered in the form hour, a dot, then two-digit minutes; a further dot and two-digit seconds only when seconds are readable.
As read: 8.43.46
